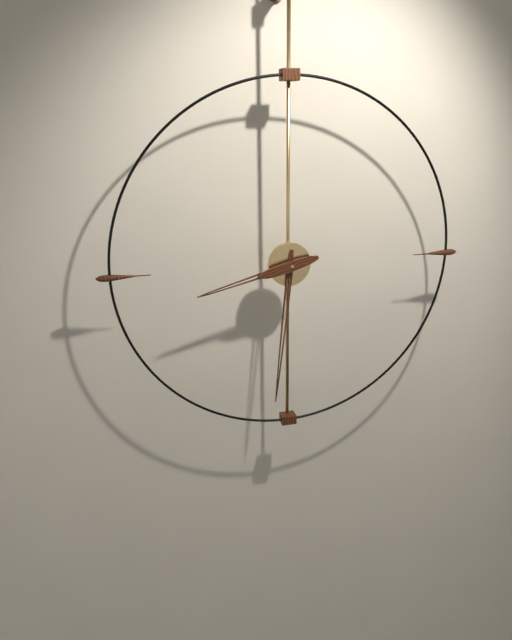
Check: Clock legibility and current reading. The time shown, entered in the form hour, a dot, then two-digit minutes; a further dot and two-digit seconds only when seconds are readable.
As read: 8.31
